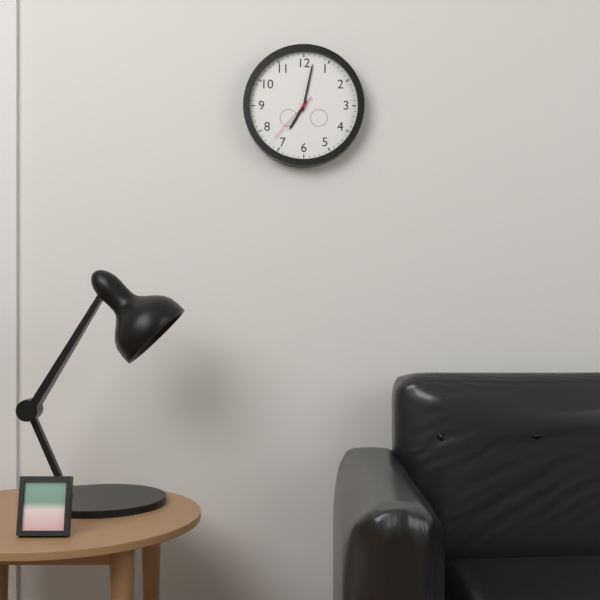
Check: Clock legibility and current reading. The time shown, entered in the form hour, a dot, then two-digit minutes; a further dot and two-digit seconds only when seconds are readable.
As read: 7.02.37
